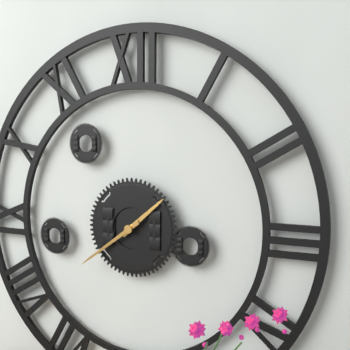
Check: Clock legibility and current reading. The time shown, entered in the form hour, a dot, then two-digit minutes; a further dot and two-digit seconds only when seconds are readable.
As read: 1.39
